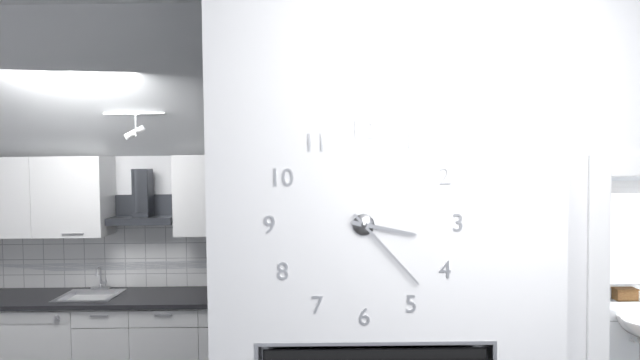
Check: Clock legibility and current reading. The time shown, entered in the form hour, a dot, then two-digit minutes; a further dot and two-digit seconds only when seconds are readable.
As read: 3.23
